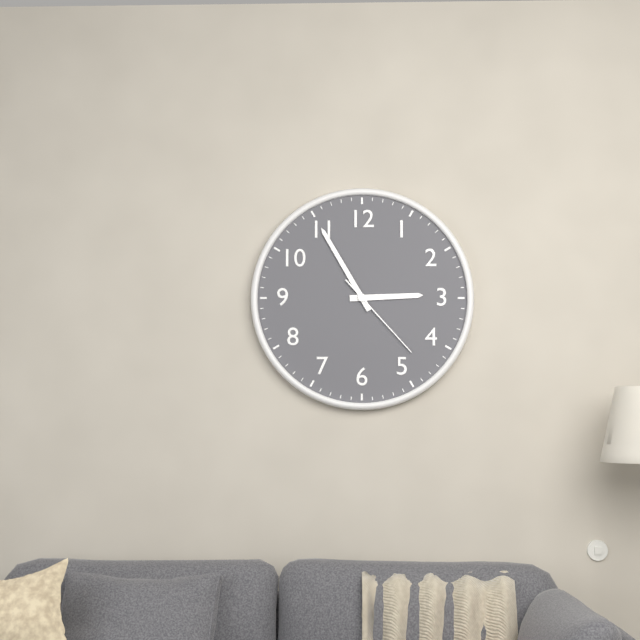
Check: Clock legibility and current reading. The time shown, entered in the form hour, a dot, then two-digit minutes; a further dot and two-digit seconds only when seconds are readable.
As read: 2.55.23
